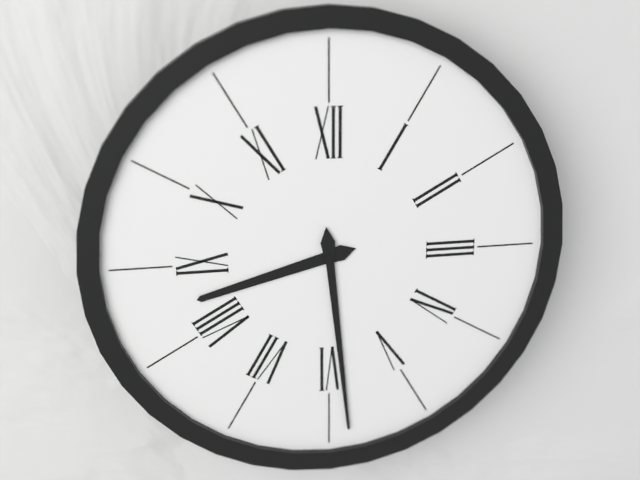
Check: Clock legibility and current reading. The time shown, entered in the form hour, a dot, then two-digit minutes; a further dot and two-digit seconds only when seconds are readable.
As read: 8.29
